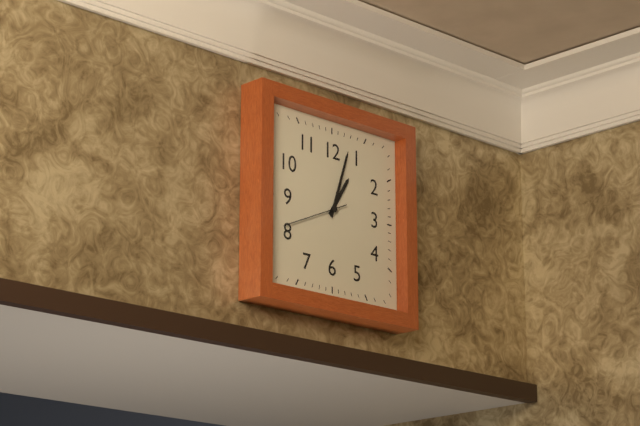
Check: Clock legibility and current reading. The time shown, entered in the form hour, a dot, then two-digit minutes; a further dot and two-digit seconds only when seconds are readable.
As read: 1.03.41
